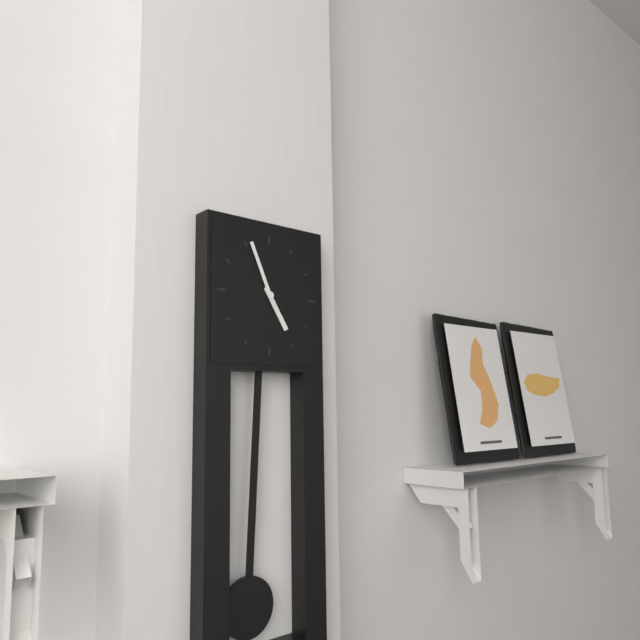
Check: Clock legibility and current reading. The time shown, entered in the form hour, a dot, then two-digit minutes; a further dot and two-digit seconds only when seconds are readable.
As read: 4.56
